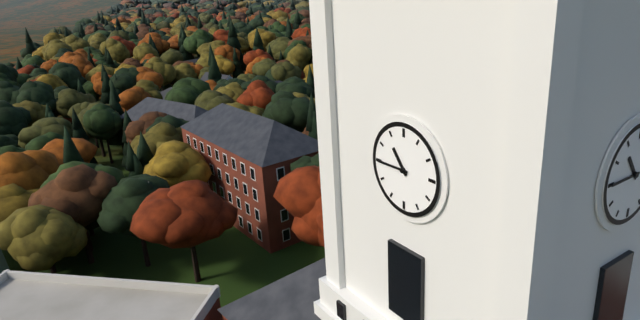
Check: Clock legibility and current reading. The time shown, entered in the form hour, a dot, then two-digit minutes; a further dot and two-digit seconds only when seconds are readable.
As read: 10.45
